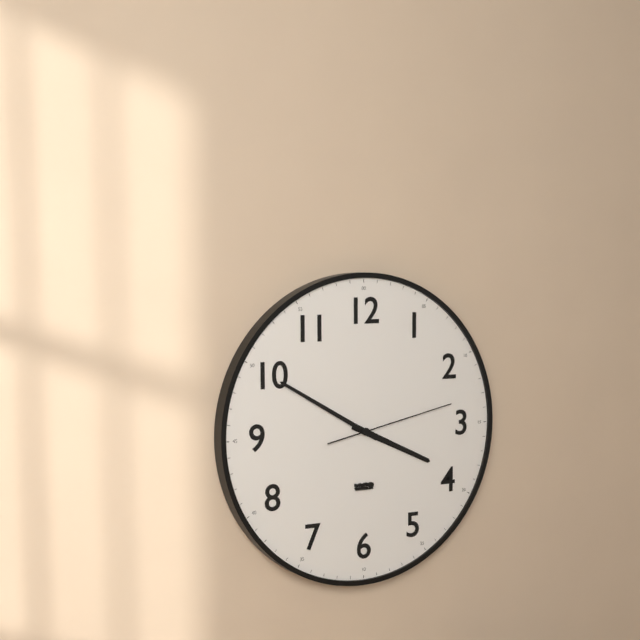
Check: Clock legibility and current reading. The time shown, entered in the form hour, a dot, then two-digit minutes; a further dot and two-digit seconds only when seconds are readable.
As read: 3.50.13
